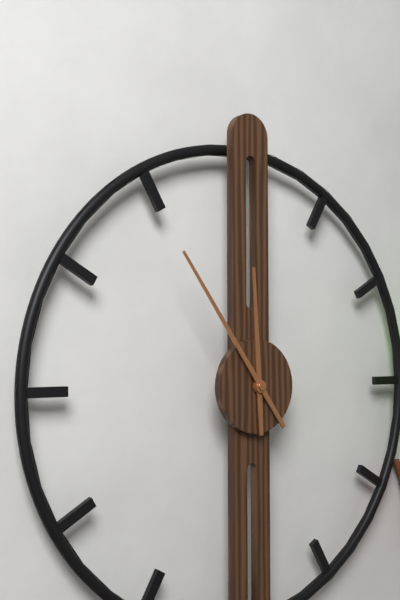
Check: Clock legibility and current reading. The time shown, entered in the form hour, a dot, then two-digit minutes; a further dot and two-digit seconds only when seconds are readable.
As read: 11.54
